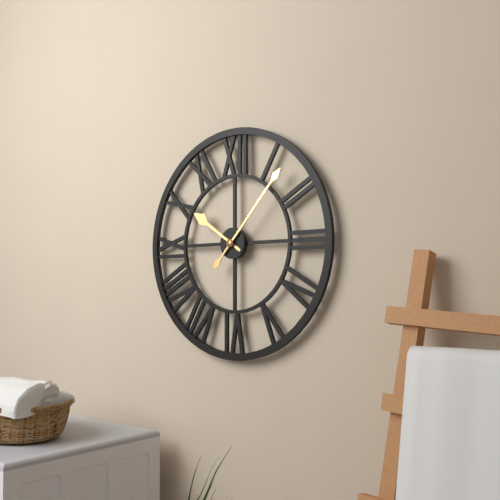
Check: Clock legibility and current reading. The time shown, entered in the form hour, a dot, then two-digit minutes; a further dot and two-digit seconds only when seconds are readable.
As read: 10.07
